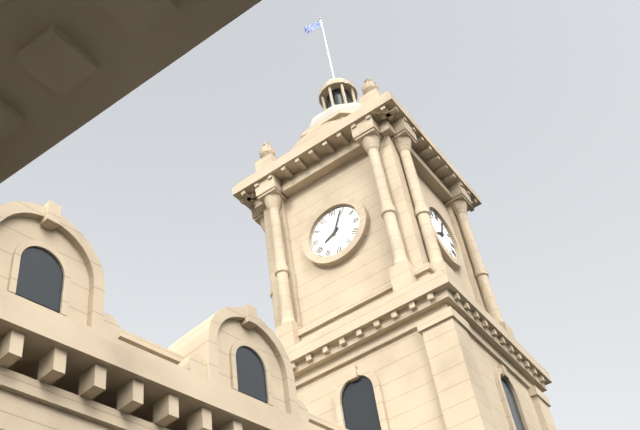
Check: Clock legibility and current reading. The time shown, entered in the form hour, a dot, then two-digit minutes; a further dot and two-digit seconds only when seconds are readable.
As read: 8.04
